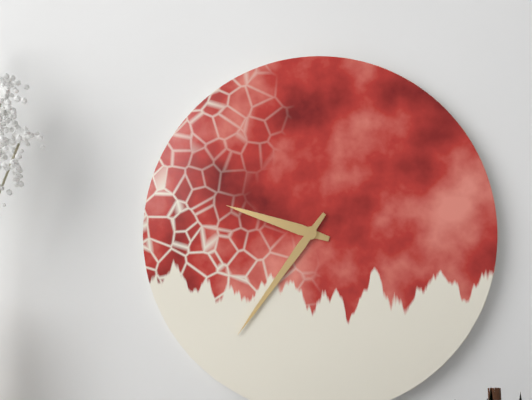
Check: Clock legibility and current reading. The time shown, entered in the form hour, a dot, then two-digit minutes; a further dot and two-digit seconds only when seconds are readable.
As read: 9.36
